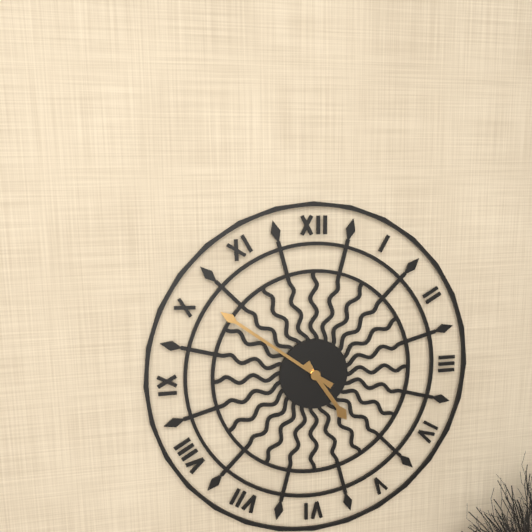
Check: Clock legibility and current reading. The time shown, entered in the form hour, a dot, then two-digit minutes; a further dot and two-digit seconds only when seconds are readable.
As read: 4.51
